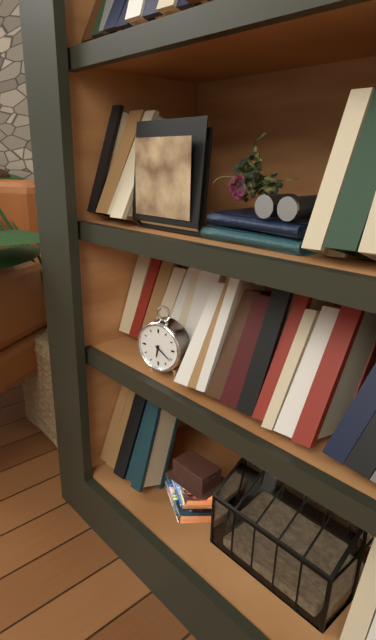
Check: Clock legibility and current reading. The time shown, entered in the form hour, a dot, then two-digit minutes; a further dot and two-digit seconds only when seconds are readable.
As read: 6.21
